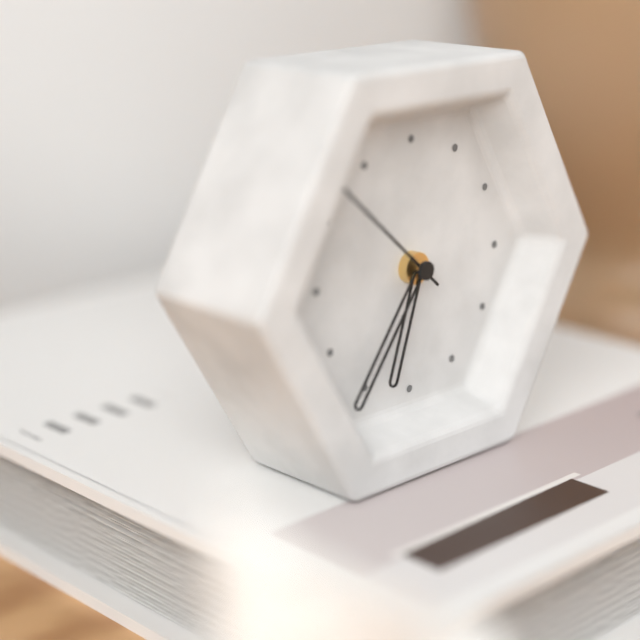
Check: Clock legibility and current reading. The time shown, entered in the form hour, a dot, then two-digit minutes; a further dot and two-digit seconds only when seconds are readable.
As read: 6.36.52
